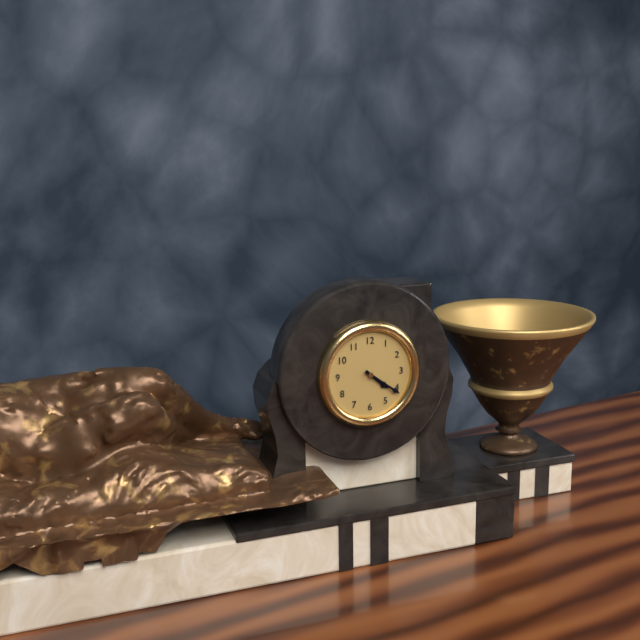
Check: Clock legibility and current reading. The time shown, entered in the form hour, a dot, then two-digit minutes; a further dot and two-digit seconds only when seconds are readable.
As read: 4.21
